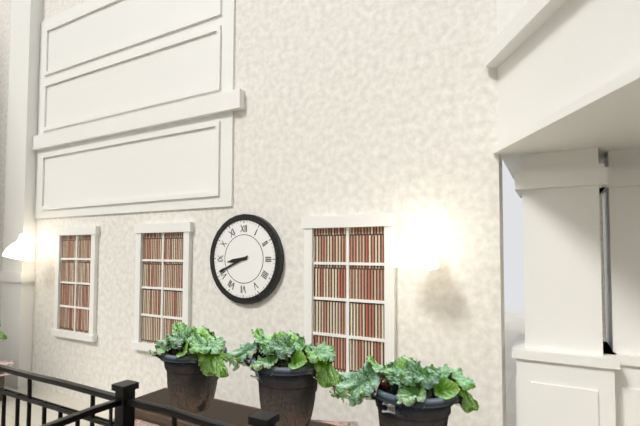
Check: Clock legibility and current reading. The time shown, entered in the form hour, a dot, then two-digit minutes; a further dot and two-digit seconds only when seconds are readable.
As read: 8.41
